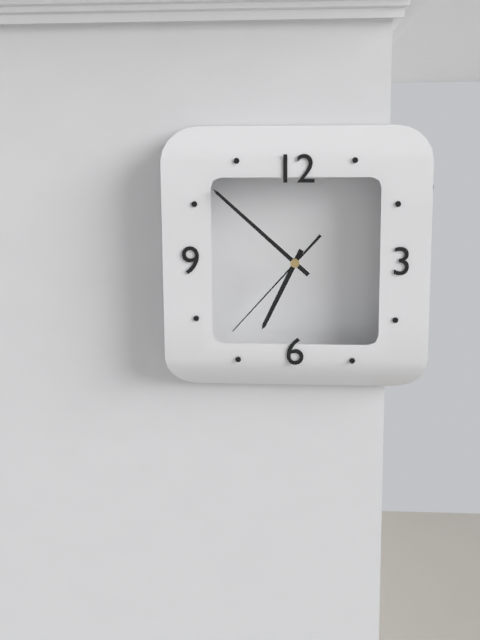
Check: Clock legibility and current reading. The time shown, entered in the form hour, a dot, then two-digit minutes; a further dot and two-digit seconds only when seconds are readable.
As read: 6.52.37
